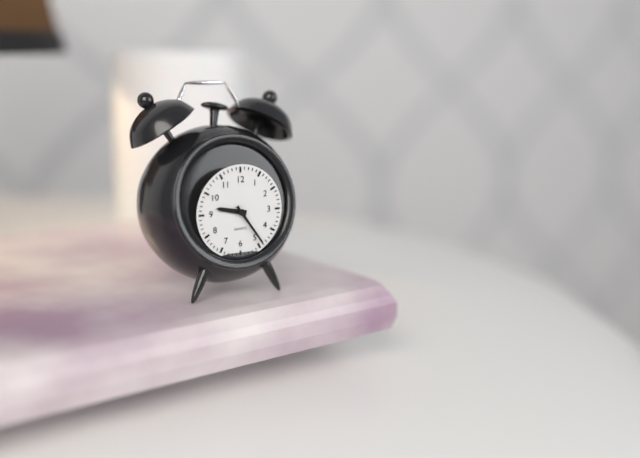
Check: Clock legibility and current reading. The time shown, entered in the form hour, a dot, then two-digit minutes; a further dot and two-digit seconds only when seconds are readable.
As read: 9.24
